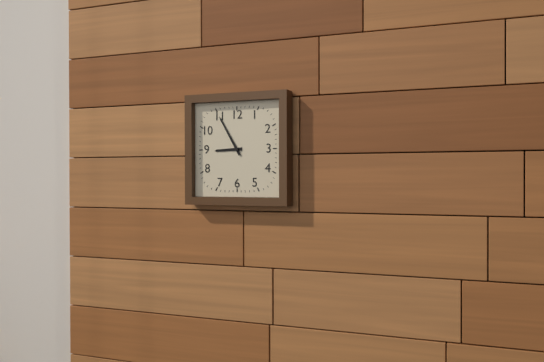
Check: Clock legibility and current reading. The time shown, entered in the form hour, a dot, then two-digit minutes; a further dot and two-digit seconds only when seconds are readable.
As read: 8.55
